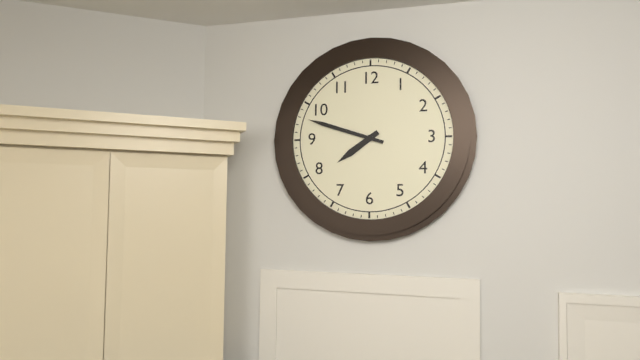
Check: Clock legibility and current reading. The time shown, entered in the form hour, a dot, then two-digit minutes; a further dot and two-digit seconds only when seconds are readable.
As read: 7.48
